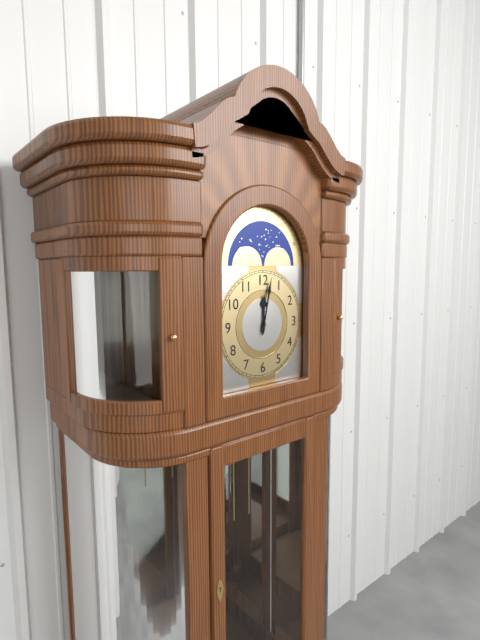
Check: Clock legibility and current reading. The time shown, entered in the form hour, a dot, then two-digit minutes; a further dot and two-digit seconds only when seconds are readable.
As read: 12.02
